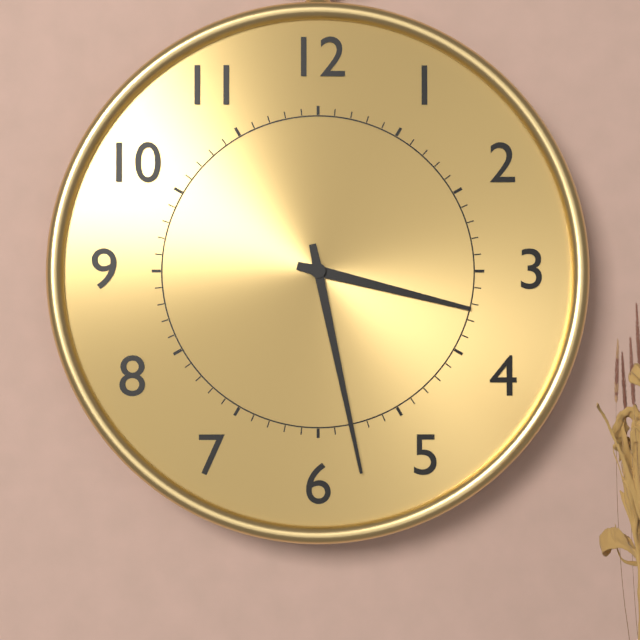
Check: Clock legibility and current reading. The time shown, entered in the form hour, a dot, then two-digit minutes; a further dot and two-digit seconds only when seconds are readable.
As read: 3.28
